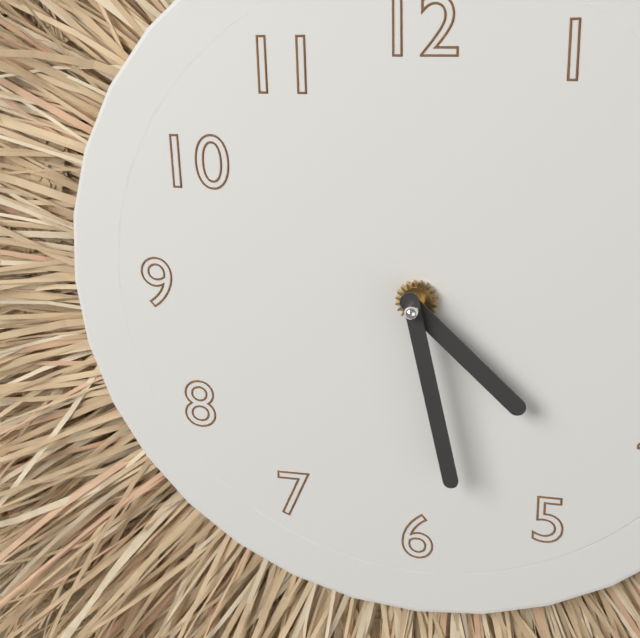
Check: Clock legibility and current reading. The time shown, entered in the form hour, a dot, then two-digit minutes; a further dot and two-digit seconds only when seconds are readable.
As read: 4.28
